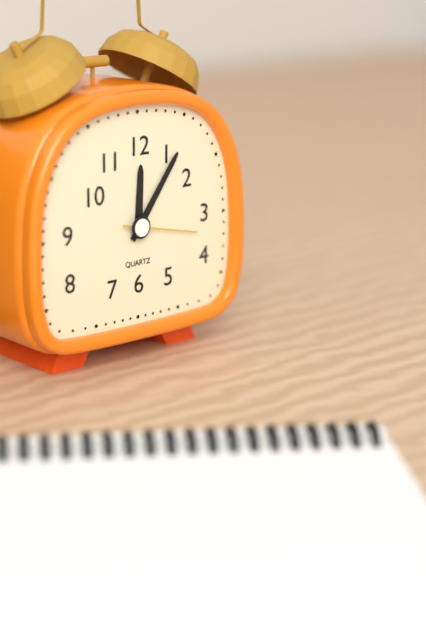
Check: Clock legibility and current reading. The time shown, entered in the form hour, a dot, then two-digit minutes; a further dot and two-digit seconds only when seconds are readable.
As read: 12.06.17
